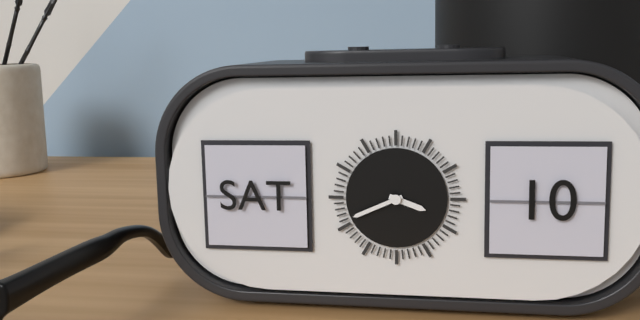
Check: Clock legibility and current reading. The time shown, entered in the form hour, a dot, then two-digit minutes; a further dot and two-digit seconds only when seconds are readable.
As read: 3.41
